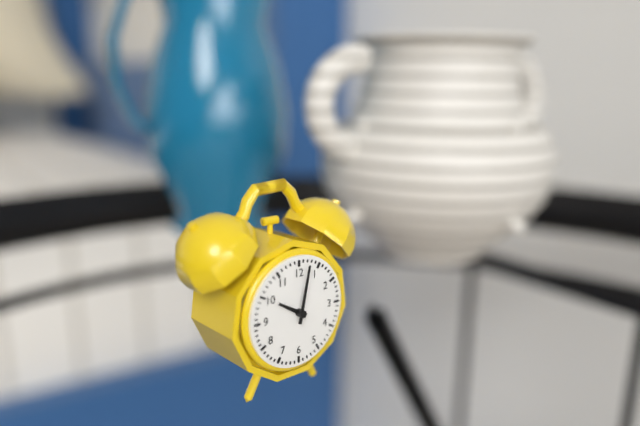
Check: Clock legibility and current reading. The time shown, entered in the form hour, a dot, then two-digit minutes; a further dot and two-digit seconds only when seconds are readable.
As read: 10.02
